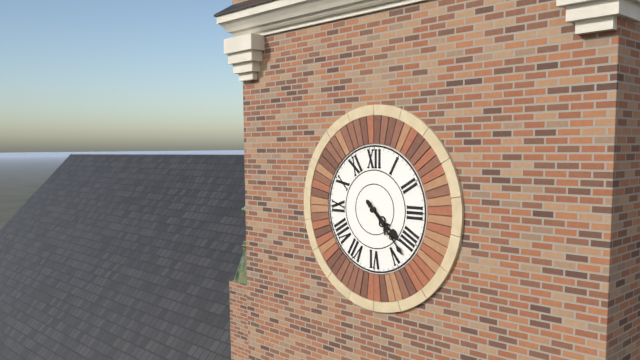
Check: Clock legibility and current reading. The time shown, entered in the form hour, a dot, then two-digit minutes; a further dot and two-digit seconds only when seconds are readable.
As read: 4.23
